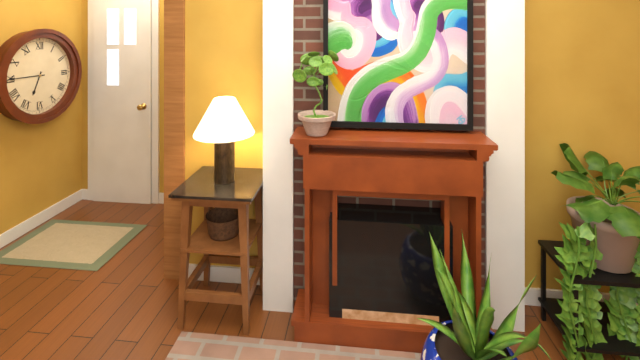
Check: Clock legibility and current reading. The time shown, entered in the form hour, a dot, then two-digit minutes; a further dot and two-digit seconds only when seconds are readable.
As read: 6.45
